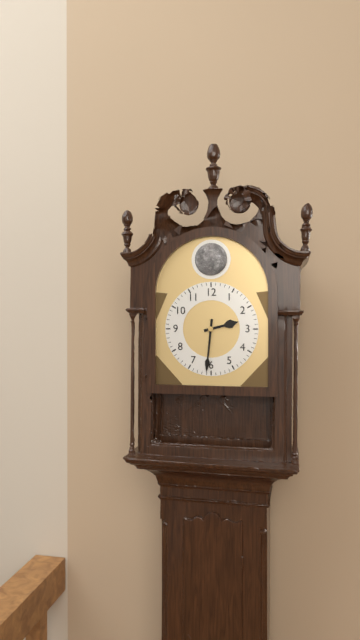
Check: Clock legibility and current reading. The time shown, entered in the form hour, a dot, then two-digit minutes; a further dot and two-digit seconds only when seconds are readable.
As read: 2.31
